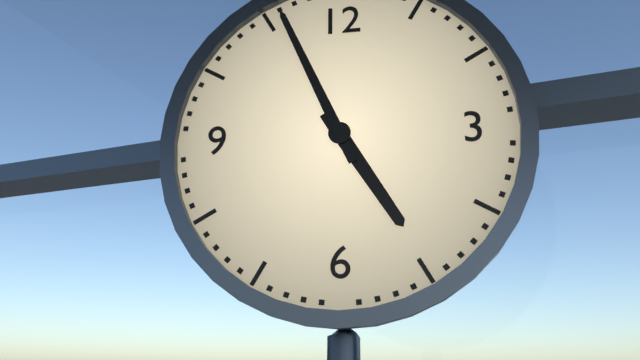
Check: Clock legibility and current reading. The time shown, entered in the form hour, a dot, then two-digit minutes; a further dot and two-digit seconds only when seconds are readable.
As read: 4.56
